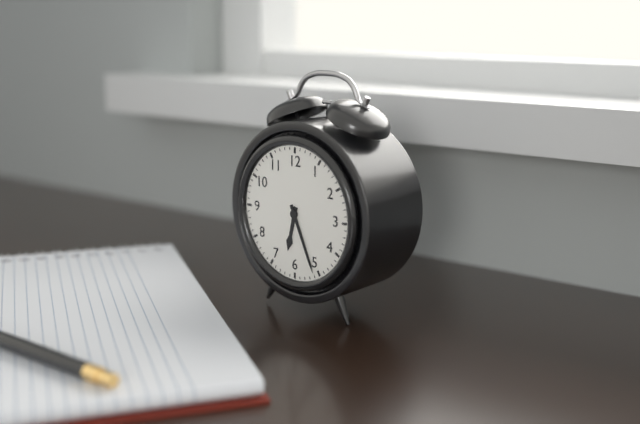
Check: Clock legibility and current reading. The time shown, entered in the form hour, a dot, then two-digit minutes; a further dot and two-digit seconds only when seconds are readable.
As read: 6.26
